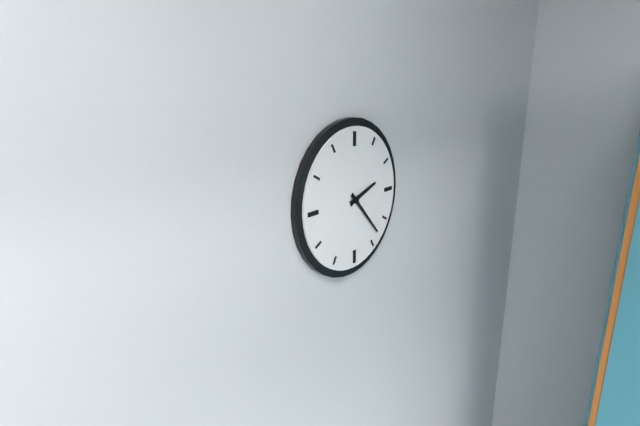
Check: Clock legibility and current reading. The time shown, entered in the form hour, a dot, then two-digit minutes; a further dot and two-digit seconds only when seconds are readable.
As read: 2.23
